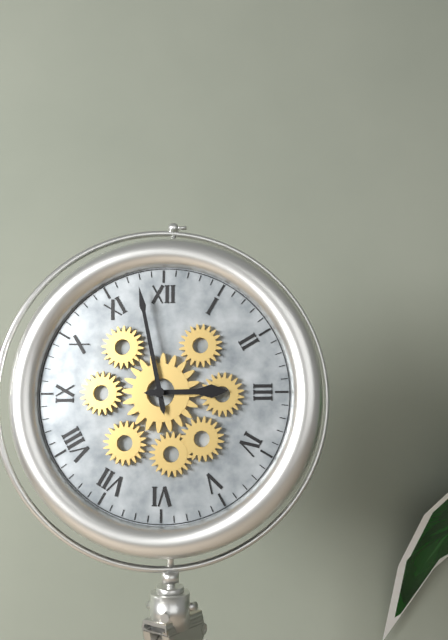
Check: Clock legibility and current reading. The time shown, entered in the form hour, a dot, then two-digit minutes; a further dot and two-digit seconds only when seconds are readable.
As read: 2.58
